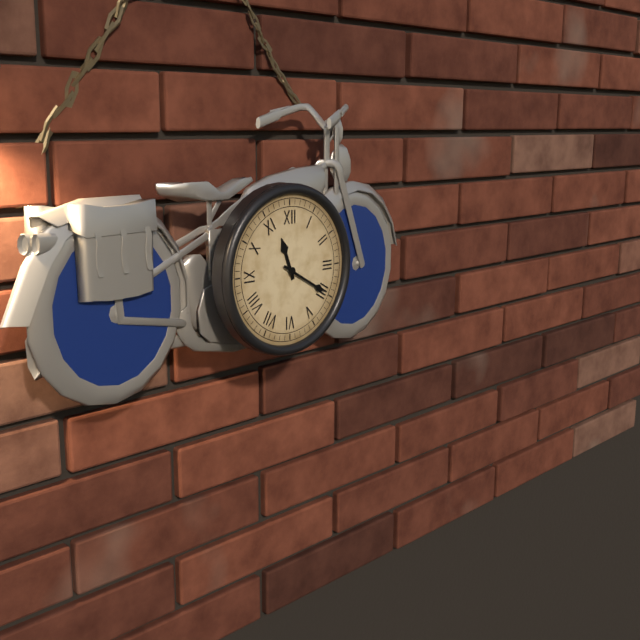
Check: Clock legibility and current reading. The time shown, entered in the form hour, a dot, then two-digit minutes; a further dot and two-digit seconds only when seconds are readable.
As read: 11.20
